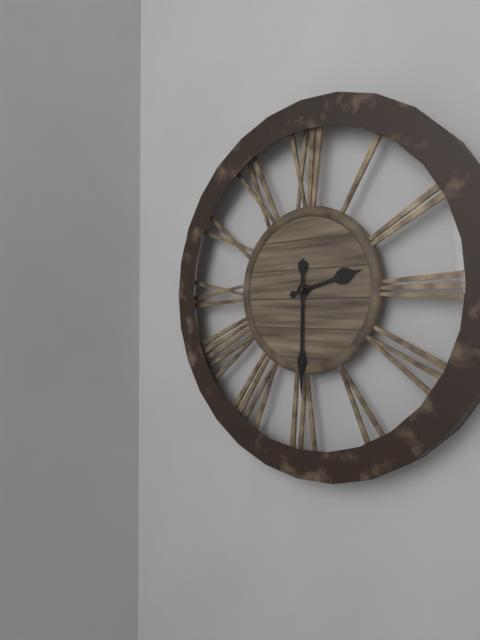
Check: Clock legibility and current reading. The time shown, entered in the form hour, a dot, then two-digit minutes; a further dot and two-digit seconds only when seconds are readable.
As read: 2.30
